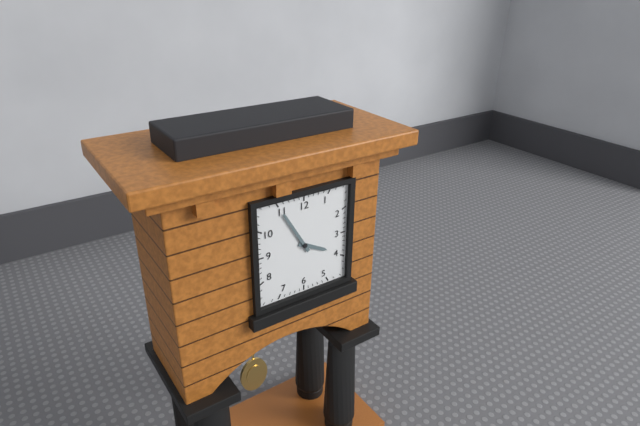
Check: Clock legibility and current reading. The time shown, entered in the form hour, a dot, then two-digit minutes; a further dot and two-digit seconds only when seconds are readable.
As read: 3.55
